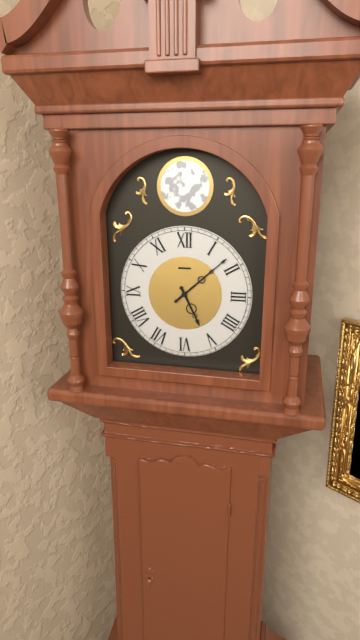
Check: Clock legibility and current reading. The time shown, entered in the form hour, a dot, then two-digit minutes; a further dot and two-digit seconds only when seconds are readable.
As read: 5.08
